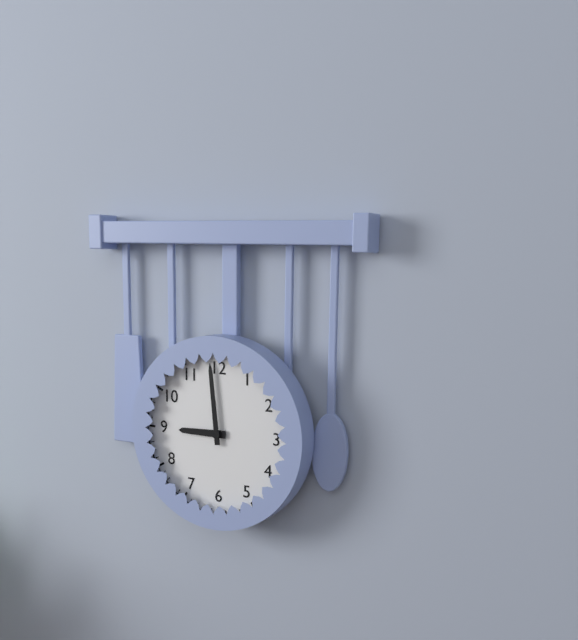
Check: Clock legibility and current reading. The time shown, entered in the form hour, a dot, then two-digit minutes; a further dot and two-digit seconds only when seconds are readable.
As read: 8.59
